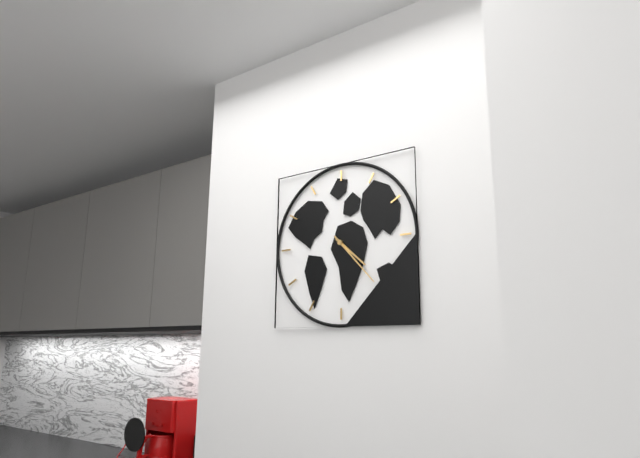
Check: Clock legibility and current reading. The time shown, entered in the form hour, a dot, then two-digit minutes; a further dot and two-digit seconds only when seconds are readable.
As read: 4.23
